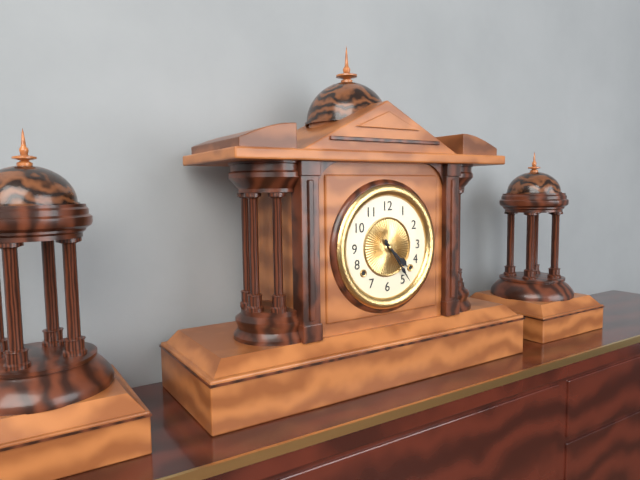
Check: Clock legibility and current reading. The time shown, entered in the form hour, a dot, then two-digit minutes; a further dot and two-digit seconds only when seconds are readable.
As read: 4.24
